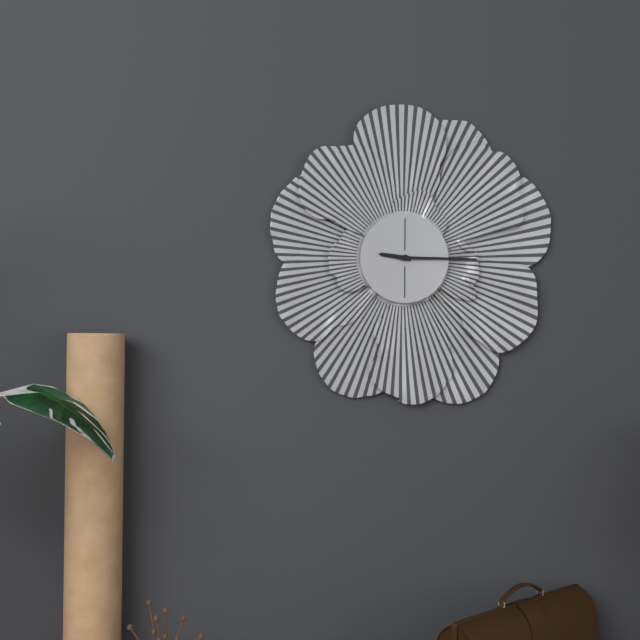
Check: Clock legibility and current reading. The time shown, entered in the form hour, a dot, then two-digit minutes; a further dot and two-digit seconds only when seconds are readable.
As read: 9.15
